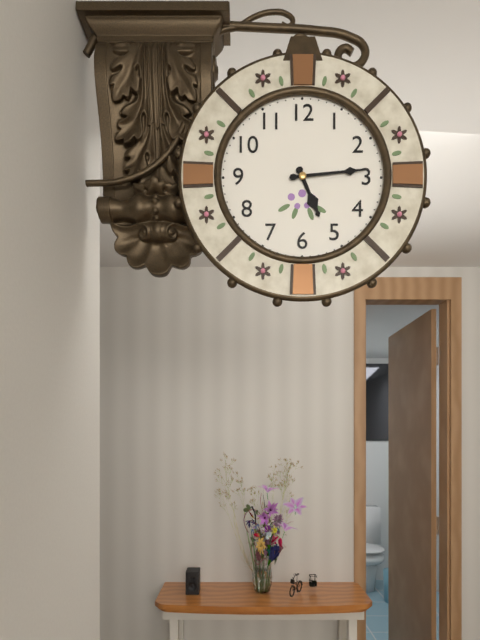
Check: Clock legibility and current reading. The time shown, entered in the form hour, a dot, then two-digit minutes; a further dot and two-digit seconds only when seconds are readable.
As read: 5.14
